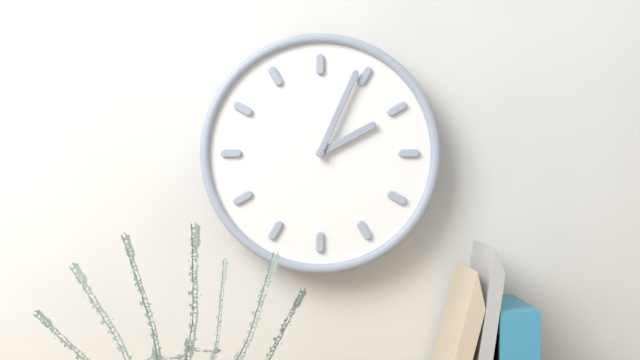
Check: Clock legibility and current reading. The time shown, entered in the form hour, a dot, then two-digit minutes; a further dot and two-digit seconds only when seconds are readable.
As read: 2.04
